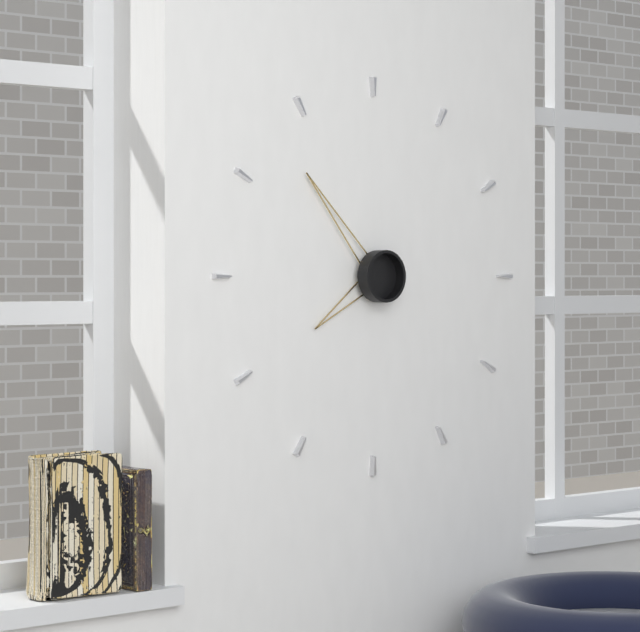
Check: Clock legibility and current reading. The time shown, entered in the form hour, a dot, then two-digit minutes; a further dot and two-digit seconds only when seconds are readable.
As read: 7.53
